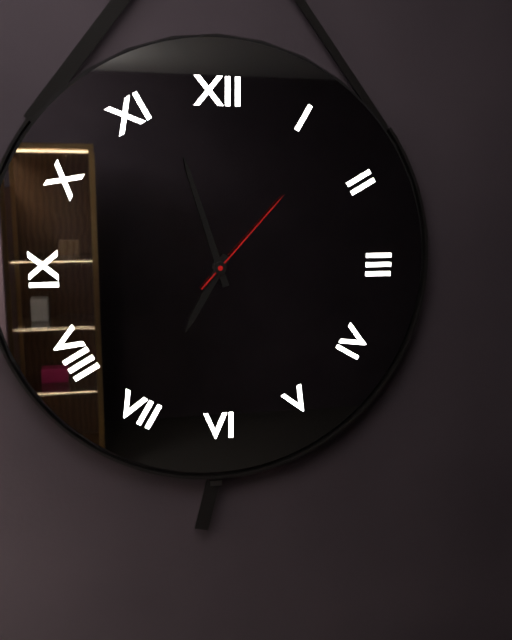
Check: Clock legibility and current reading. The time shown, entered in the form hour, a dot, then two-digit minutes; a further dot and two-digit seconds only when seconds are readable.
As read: 6.57.07
